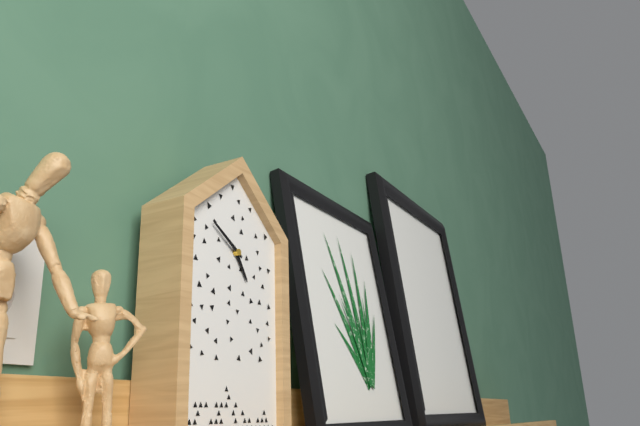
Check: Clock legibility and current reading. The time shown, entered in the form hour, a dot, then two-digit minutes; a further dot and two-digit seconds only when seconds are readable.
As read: 4.50
